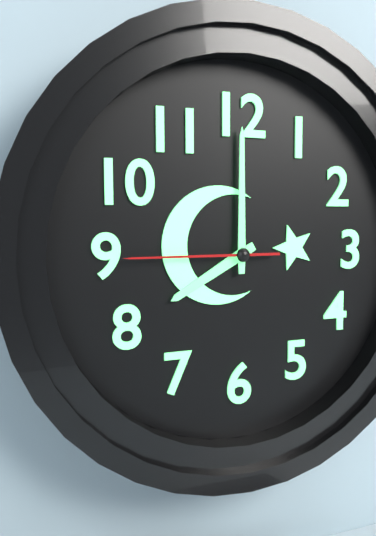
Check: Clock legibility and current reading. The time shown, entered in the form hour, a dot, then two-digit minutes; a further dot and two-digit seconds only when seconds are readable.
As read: 8.00.45
